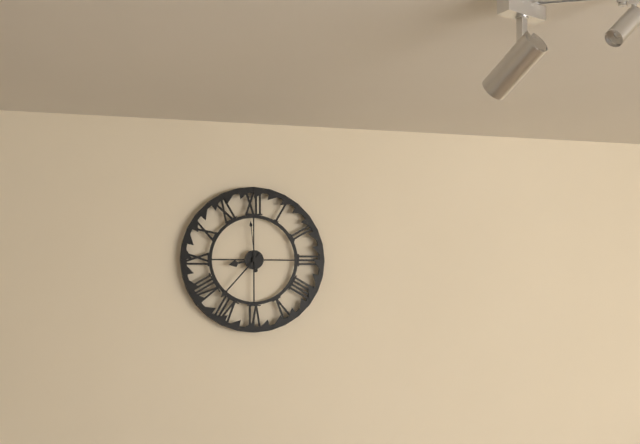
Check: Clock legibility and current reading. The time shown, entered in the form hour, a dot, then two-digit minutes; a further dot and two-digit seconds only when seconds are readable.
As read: 8.37
